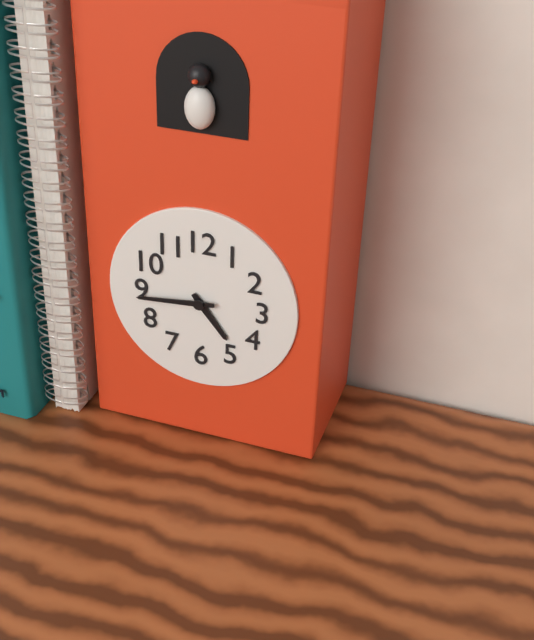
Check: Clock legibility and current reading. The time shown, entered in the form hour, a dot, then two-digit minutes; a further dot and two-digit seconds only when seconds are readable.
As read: 4.44
